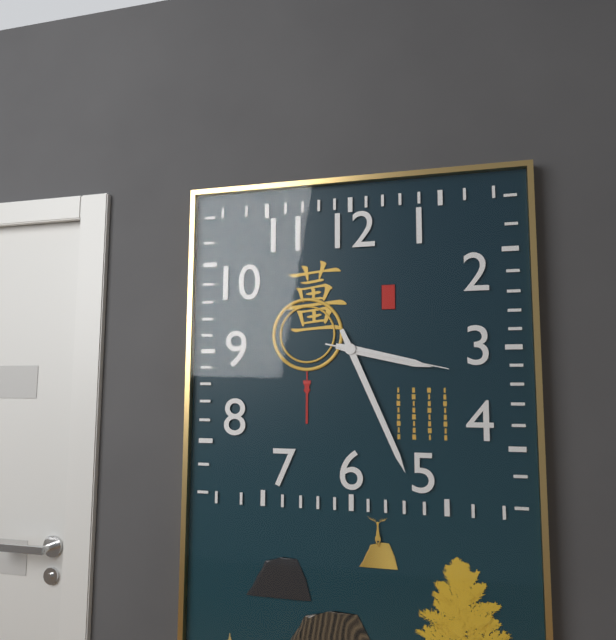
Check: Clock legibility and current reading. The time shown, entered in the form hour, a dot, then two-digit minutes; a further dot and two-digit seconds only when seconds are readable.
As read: 3.26.17
